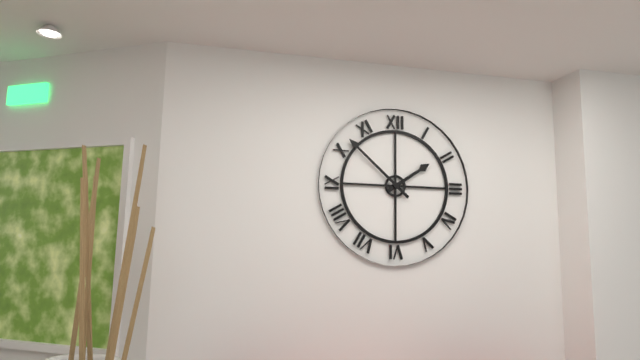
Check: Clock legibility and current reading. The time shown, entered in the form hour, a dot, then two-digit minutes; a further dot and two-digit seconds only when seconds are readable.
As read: 1.52
